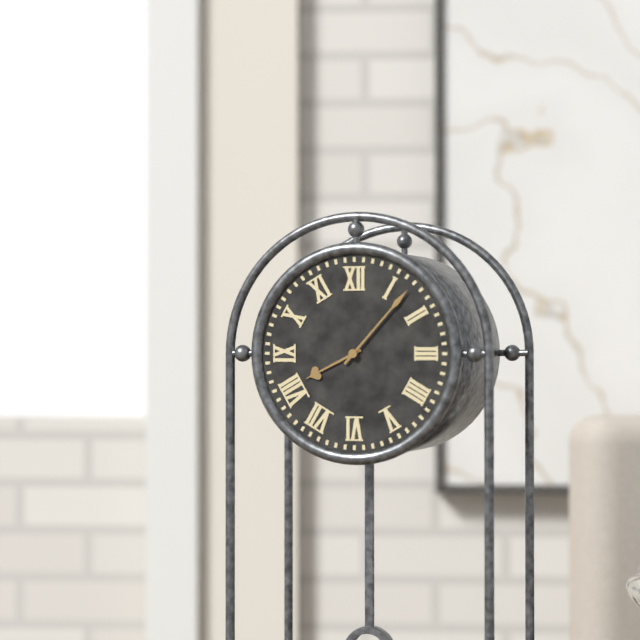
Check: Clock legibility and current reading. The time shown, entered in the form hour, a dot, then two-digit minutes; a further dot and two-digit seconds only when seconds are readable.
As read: 8.07
